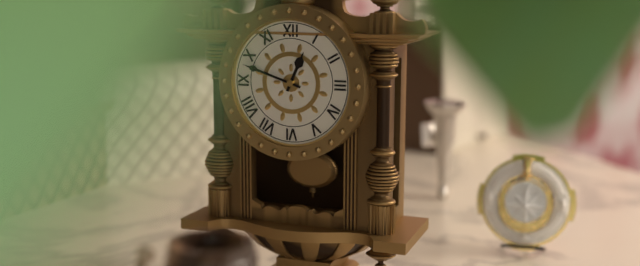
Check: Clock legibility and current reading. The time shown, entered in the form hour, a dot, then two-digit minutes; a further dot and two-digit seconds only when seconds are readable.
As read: 12.48
